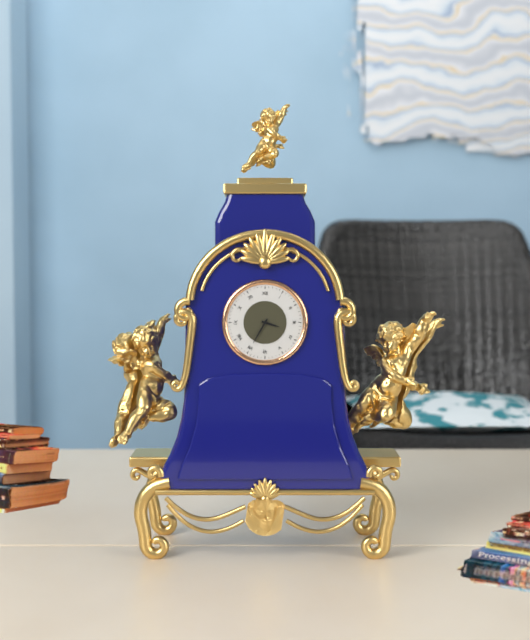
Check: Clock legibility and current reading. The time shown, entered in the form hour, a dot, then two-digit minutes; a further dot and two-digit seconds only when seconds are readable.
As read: 3.35
